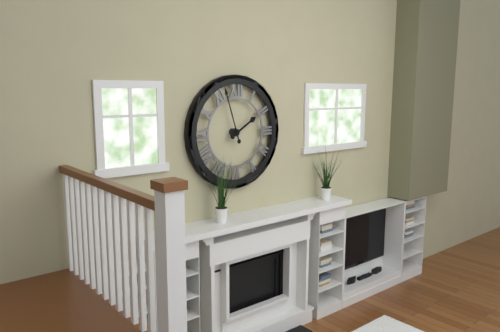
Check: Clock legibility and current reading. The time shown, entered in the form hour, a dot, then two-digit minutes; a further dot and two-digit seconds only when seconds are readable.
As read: 1.57
